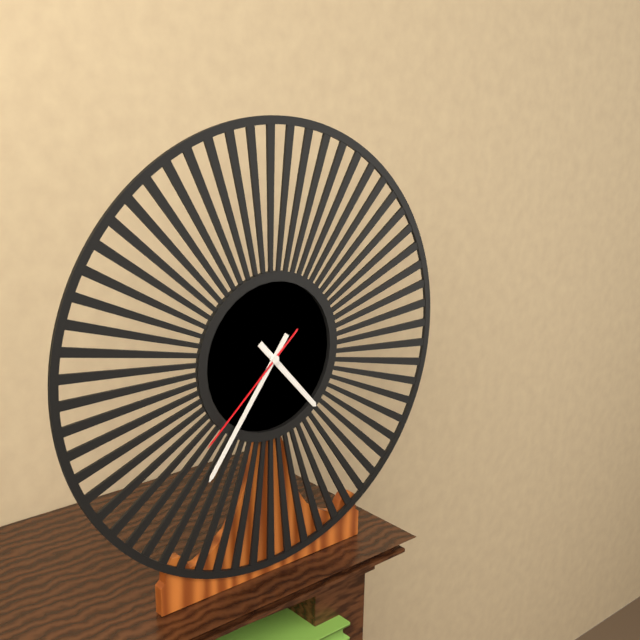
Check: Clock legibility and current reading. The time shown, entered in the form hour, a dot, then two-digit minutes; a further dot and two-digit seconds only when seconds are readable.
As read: 4.36.38
